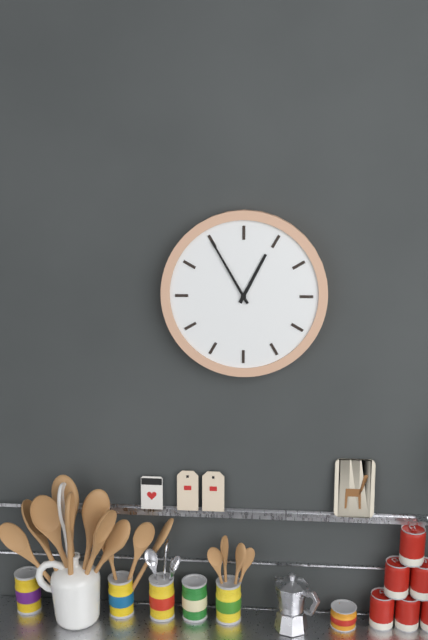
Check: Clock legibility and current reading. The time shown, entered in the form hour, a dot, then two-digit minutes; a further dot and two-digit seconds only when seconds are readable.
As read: 12.55
